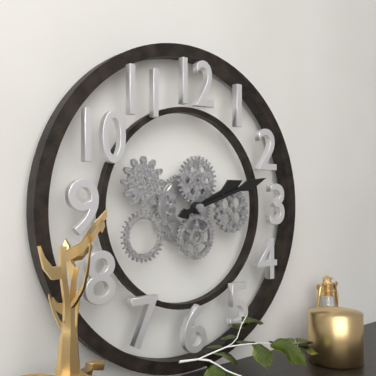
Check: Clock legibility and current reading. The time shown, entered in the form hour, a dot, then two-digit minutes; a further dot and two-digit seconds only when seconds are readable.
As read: 2.12
